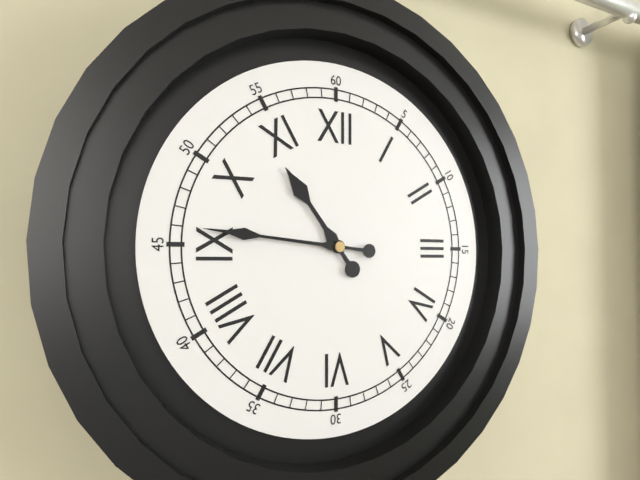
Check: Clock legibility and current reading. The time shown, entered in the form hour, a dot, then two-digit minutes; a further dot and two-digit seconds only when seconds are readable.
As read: 10.46
